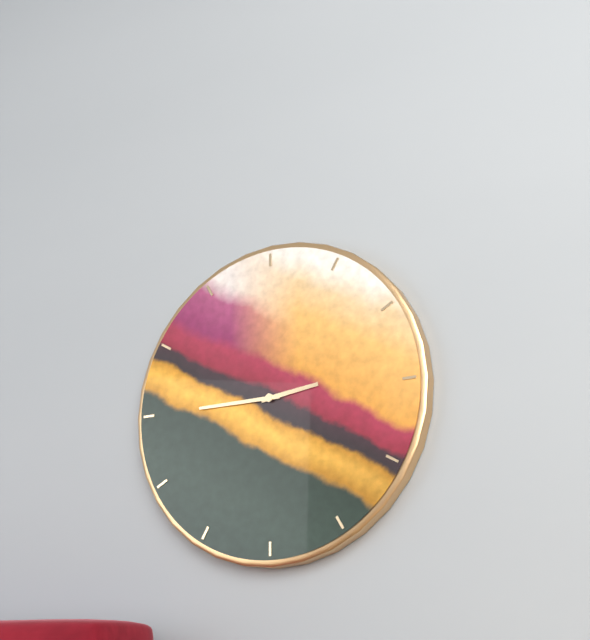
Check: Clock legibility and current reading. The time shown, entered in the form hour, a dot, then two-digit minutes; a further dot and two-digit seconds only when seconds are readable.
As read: 2.45
